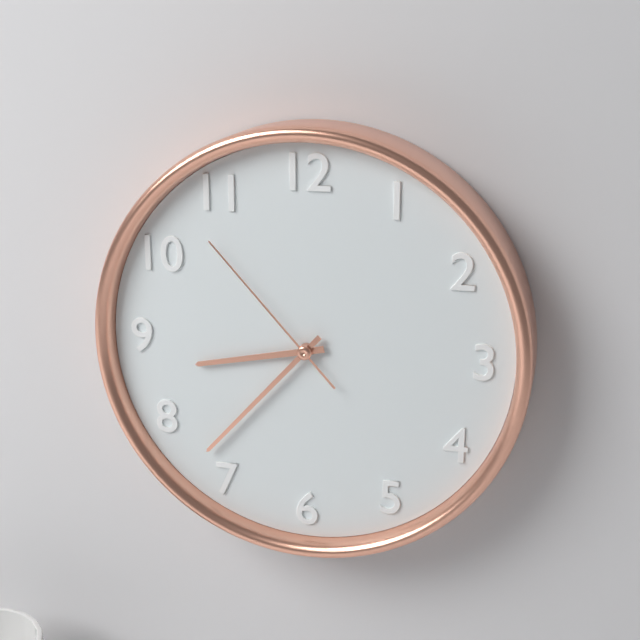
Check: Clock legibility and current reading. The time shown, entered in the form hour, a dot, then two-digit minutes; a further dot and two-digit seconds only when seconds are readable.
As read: 8.37.53
